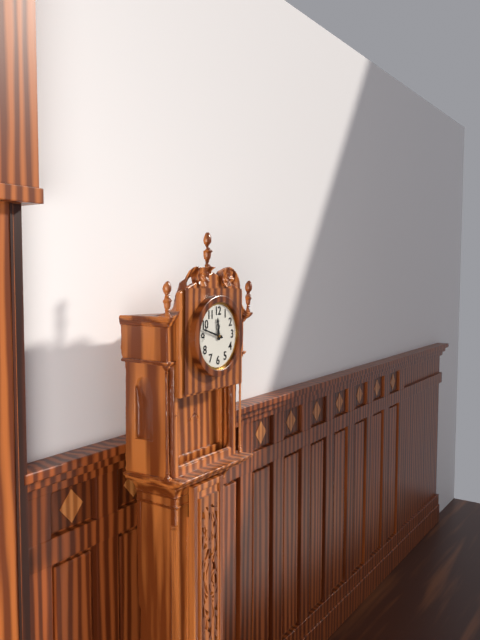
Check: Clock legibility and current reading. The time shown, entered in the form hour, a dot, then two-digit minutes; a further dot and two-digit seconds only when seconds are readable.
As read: 11.48
